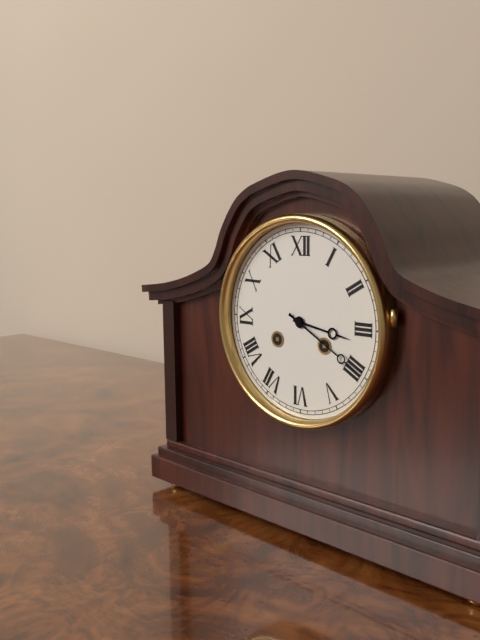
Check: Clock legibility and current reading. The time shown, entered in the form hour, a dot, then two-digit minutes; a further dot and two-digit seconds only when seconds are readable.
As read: 3.20
